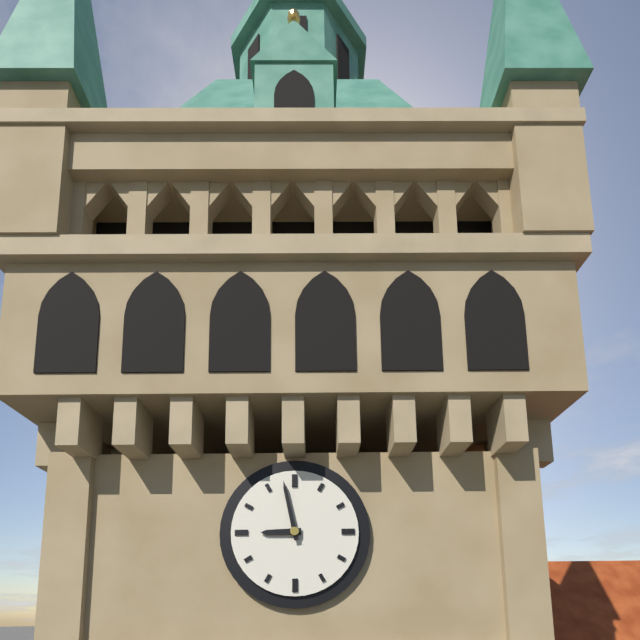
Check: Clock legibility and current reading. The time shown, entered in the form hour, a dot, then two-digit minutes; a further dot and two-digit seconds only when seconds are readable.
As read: 8.58
